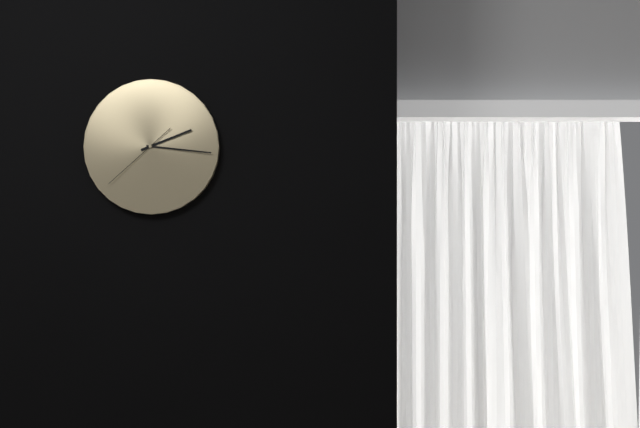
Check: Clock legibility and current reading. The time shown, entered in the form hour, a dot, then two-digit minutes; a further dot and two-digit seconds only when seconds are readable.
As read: 2.16.38
